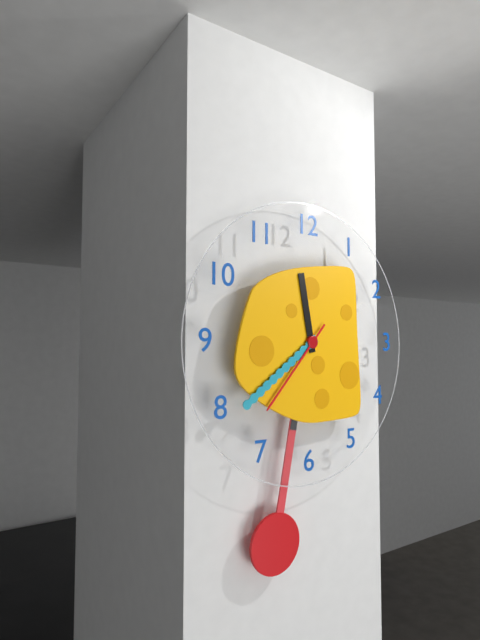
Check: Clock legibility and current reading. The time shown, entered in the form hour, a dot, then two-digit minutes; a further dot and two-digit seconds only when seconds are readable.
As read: 11.39.37
